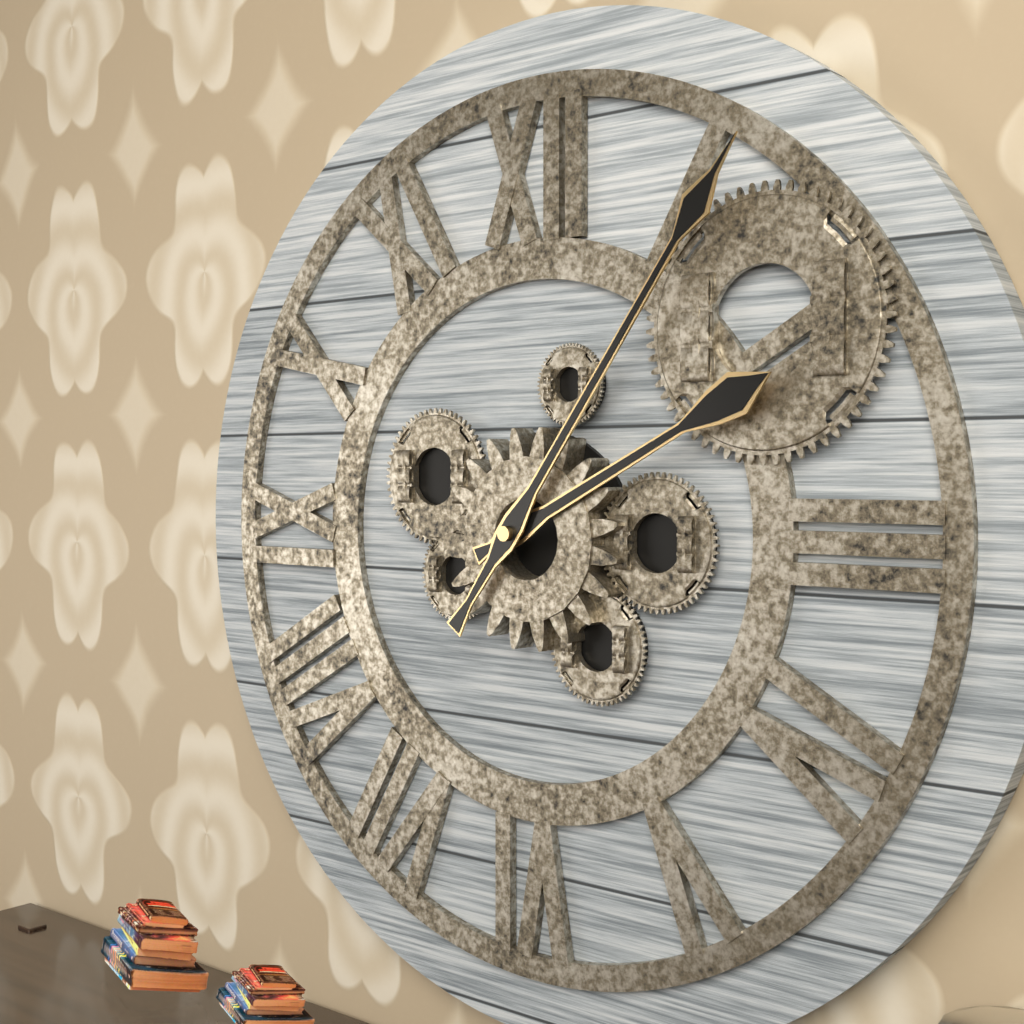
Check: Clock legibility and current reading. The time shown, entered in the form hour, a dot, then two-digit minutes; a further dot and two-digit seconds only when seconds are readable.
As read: 2.06
